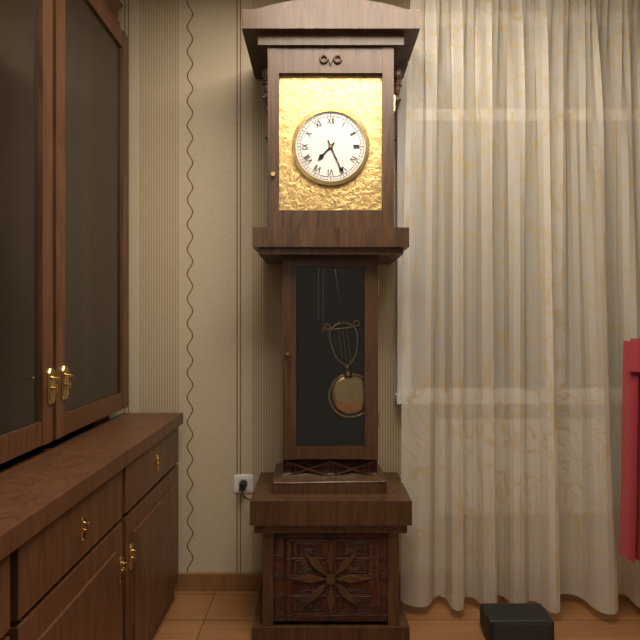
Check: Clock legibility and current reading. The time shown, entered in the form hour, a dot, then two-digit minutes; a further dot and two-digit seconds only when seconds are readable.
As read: 7.26
